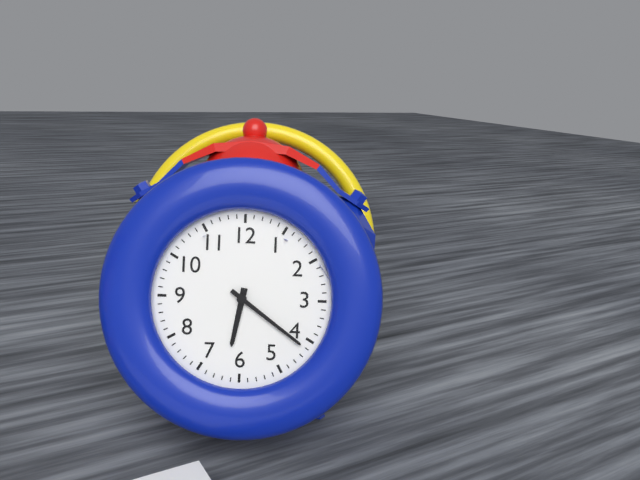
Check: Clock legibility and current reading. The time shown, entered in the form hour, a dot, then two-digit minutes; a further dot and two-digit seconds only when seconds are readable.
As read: 6.21
